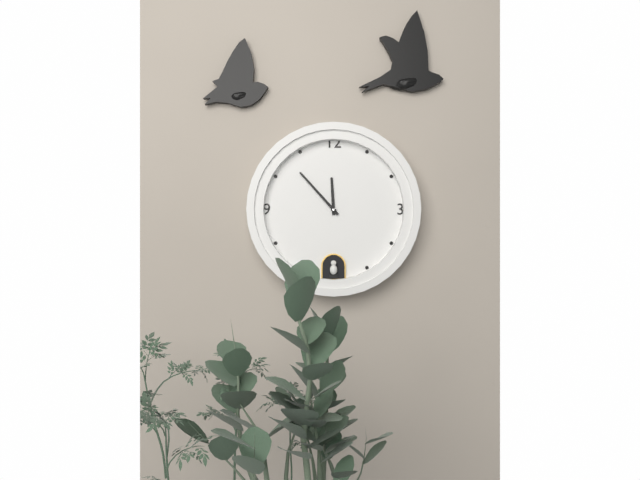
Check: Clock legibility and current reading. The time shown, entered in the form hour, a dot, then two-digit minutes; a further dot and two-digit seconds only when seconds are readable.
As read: 11.53
